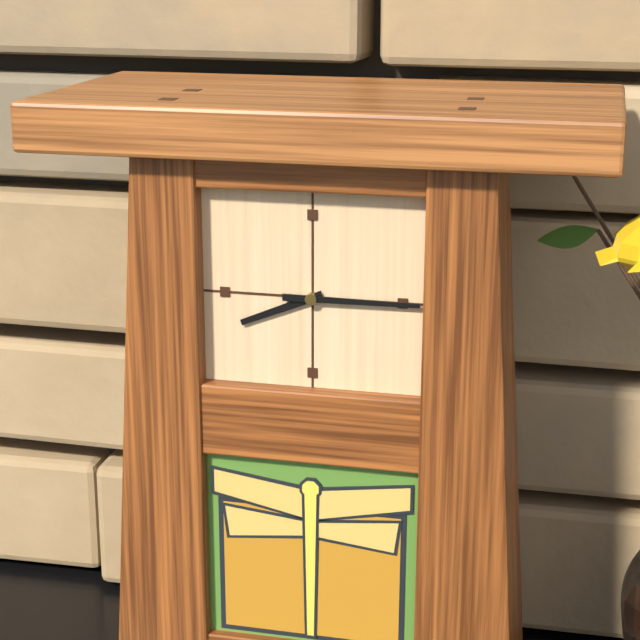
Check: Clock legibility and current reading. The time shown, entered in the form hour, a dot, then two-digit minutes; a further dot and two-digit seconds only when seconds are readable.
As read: 8.15
